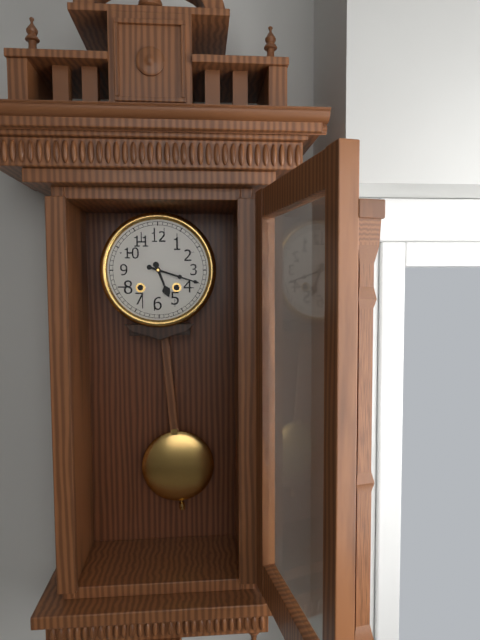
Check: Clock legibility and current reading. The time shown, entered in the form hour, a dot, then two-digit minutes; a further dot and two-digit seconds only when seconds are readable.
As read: 5.18
